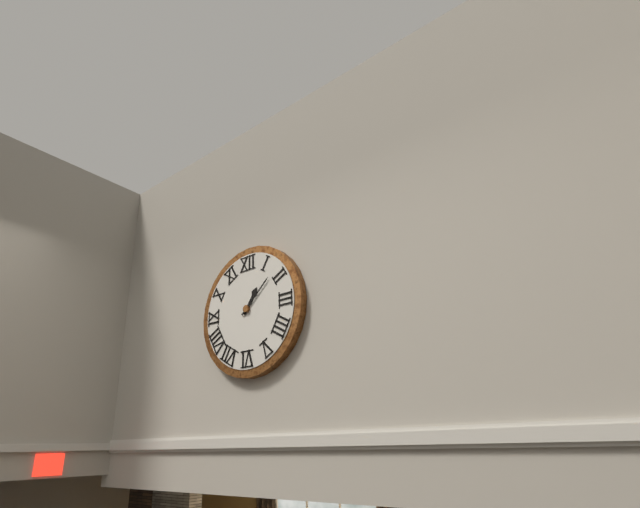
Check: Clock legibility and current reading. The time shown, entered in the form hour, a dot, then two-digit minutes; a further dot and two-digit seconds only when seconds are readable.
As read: 1.08
